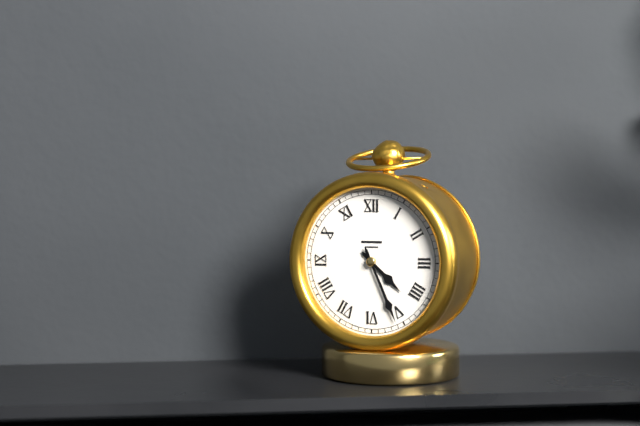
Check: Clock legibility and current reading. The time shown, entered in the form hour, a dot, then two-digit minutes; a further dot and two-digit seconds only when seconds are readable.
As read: 4.26
